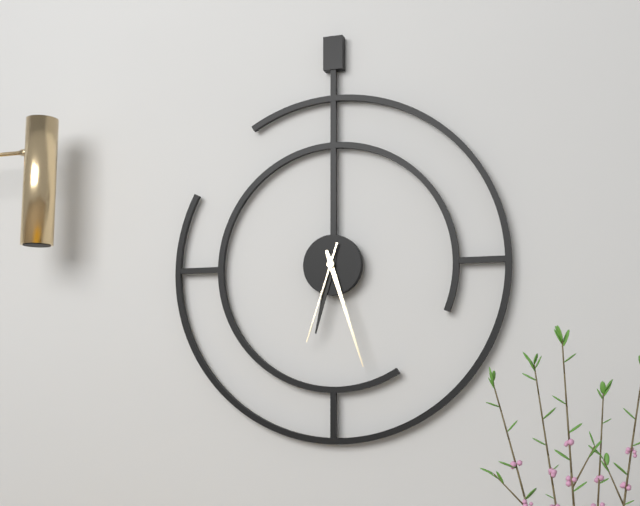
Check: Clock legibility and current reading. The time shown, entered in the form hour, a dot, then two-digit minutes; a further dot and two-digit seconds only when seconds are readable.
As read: 6.27.33
